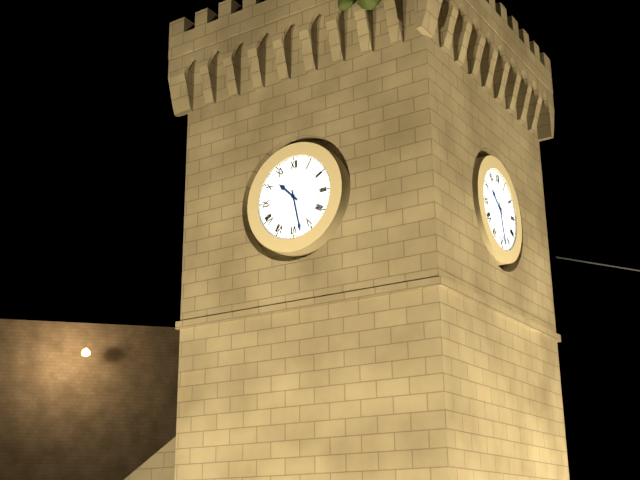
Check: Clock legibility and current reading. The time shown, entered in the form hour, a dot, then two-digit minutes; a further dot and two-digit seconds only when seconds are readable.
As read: 10.28
